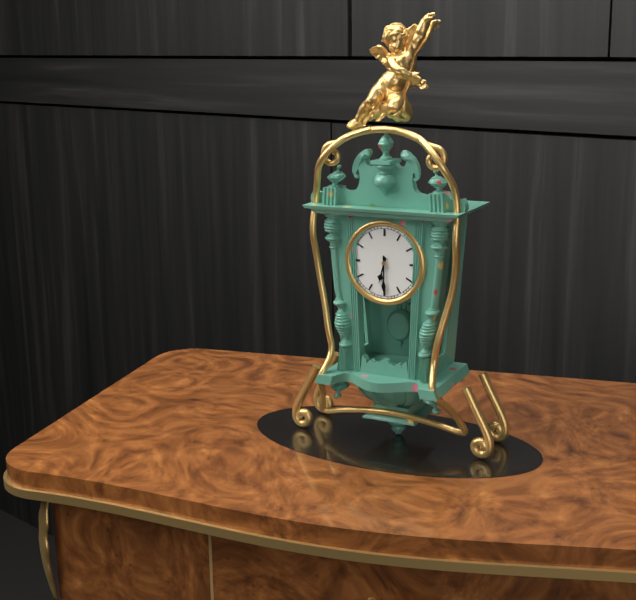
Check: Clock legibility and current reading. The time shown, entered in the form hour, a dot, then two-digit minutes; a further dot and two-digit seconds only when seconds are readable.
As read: 6.30
